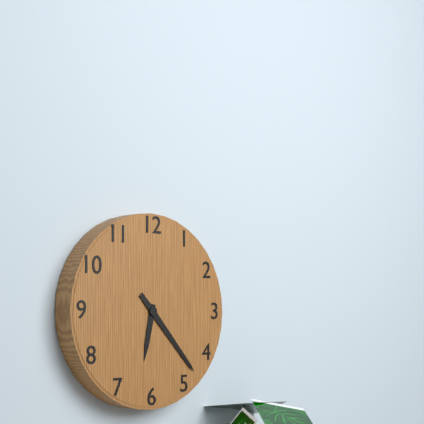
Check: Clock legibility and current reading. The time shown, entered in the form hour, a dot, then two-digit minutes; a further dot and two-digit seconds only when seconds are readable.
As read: 6.23
